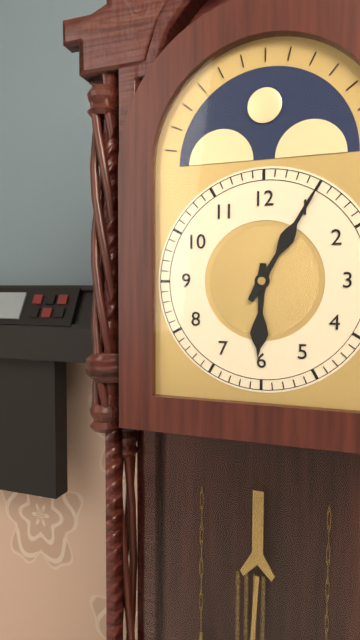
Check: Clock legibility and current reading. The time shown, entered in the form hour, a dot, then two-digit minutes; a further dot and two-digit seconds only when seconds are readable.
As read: 6.05
